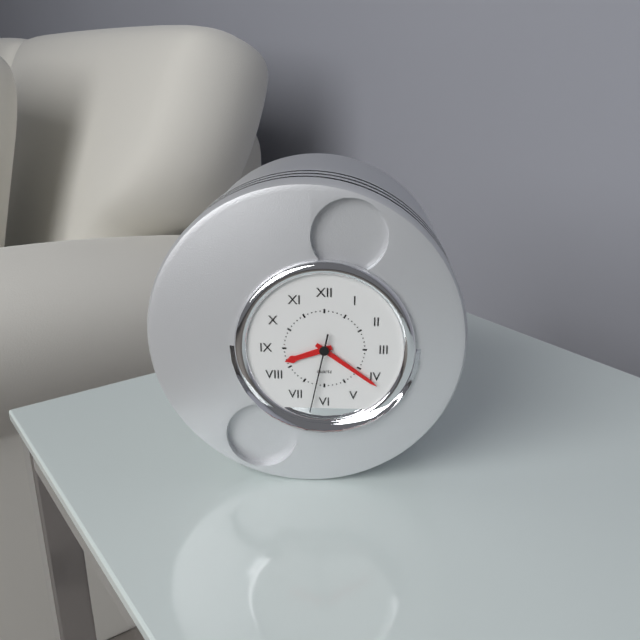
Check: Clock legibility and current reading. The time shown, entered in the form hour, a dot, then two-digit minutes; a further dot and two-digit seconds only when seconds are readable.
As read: 8.21.32
